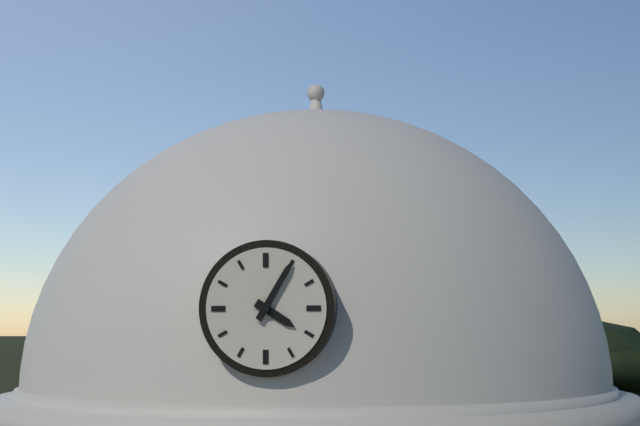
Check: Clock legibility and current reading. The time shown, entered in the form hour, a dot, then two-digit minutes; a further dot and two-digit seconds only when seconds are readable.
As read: 4.05
